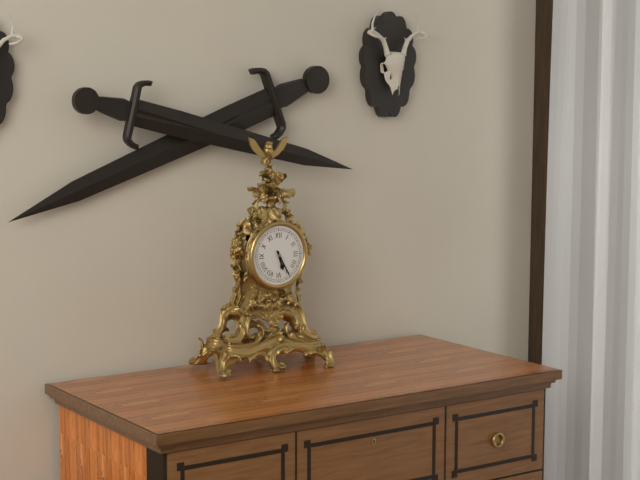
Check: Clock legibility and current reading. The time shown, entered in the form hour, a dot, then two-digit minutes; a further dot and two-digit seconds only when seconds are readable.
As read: 5.25
